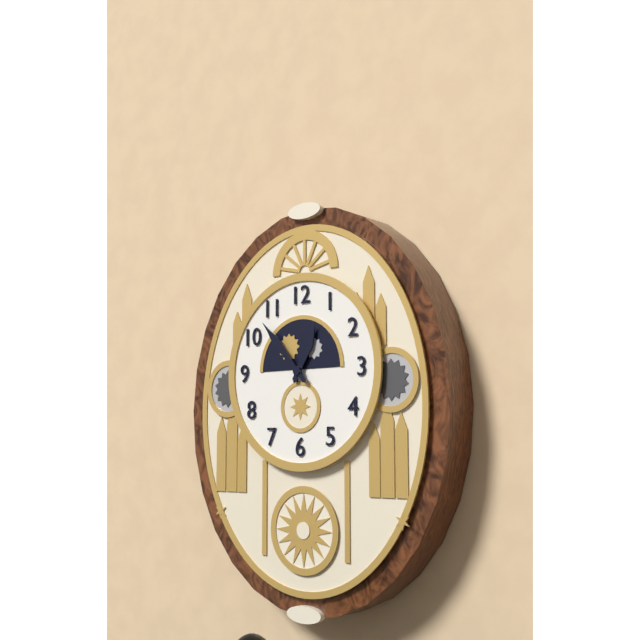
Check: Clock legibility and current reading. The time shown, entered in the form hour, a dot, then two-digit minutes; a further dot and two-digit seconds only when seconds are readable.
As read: 12.53
